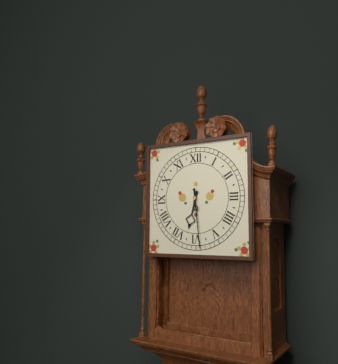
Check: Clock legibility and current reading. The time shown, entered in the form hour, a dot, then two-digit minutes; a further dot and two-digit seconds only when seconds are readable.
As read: 6.29
